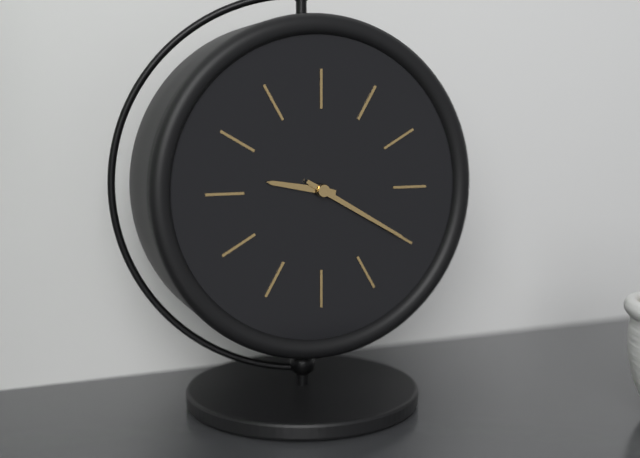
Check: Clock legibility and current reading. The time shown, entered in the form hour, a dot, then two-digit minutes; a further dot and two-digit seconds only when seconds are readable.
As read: 9.20
